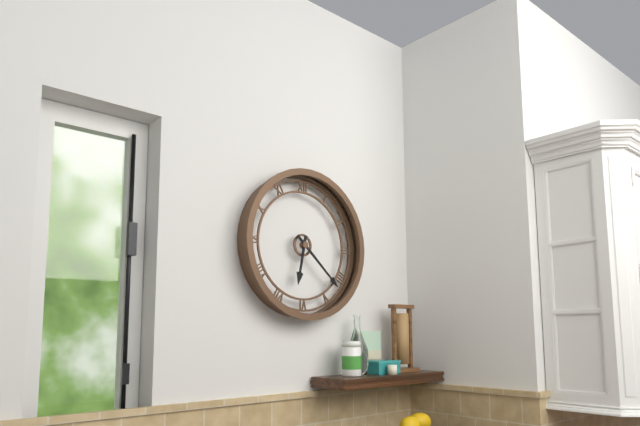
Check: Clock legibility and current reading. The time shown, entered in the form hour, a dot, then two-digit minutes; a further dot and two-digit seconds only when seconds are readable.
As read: 6.22
